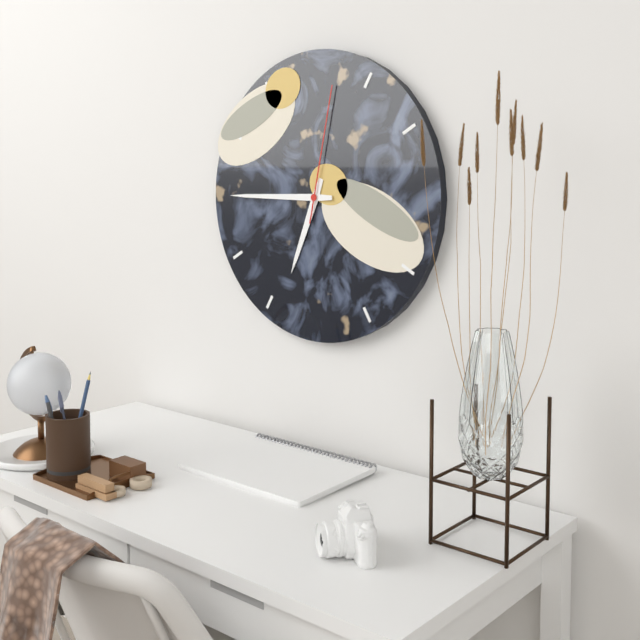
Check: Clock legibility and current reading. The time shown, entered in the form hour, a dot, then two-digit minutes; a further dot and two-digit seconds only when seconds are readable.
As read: 6.45.02
